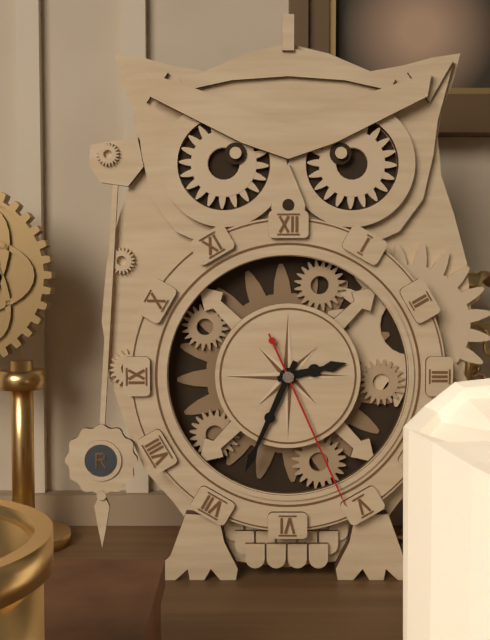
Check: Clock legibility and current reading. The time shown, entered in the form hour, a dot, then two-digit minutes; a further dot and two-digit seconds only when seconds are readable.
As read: 2.34.26
